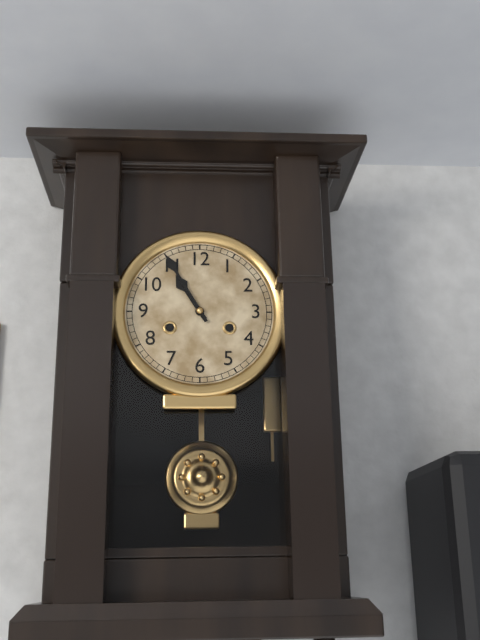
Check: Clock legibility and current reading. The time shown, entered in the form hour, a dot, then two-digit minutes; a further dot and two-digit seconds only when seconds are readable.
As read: 10.55
